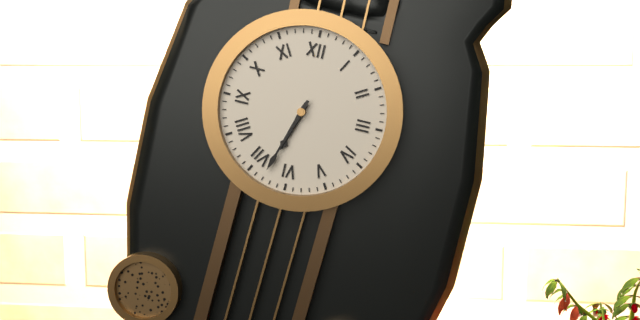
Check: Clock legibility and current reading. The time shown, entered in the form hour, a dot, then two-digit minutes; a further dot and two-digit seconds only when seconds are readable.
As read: 6.33
